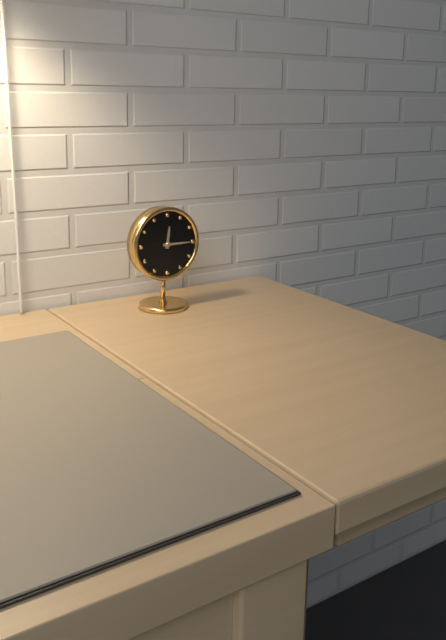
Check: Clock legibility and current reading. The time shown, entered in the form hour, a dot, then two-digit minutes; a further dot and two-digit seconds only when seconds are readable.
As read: 12.15
